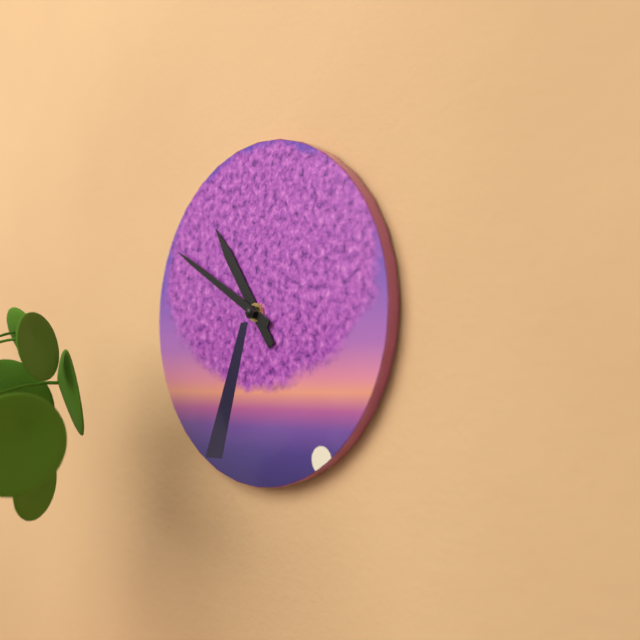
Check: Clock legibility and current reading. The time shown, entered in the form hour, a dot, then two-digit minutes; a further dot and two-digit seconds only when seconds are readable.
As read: 10.50
